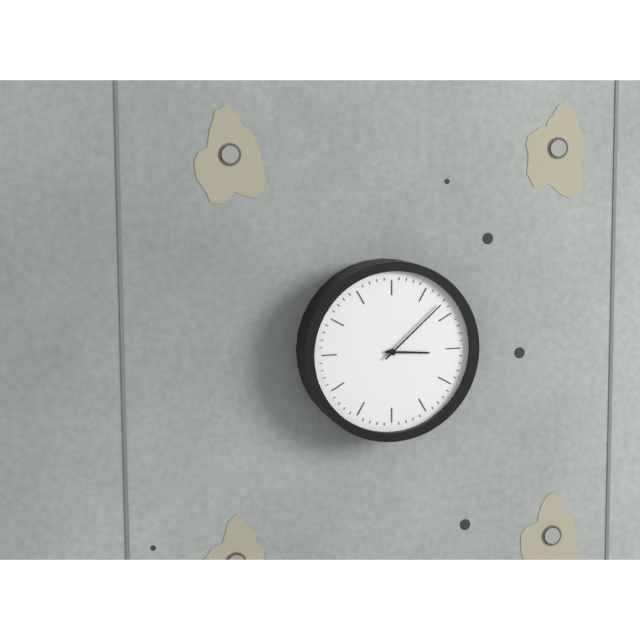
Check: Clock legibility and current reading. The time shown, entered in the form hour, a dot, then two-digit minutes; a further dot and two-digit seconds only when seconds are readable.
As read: 3.08
